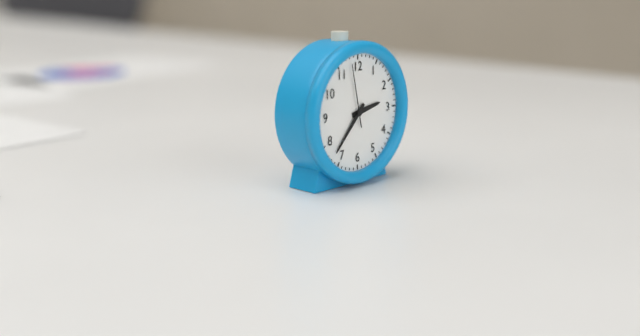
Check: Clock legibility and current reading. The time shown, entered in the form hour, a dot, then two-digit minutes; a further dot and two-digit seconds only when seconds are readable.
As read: 2.37.58
